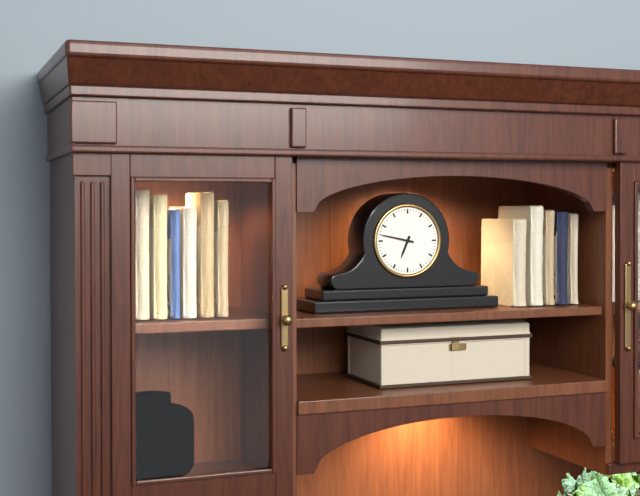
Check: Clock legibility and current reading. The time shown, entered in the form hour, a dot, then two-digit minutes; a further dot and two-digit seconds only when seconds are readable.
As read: 6.47
